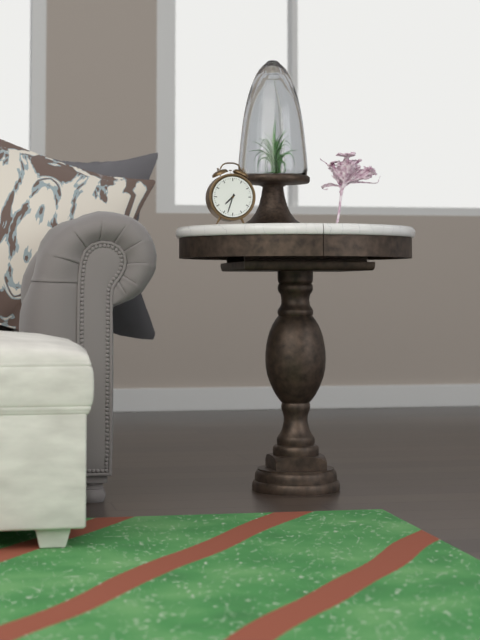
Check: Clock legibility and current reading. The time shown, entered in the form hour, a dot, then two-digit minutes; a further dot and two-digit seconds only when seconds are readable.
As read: 7.33
